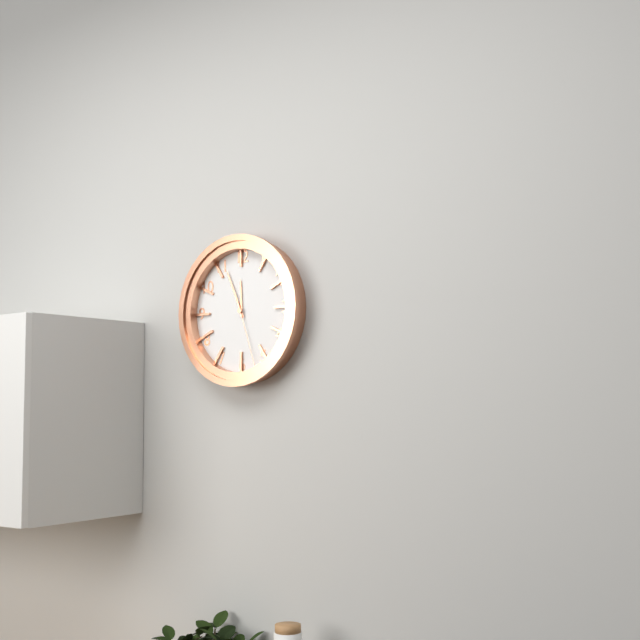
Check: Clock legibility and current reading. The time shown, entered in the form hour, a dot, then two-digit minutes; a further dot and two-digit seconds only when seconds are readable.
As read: 11.56.27
